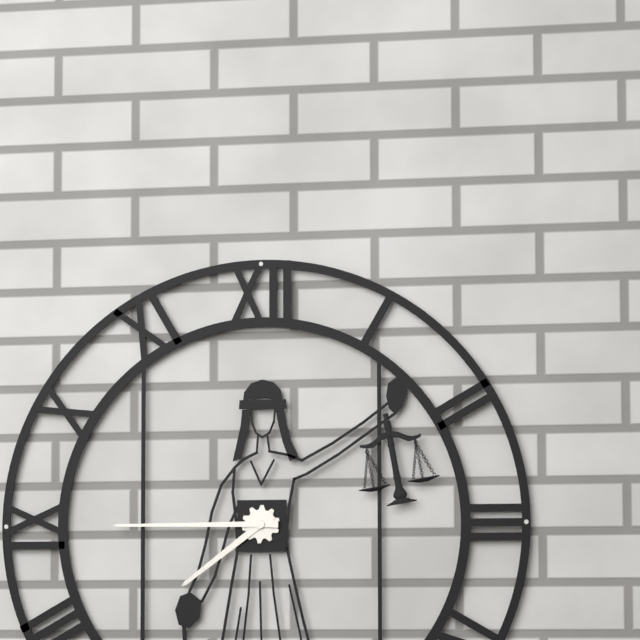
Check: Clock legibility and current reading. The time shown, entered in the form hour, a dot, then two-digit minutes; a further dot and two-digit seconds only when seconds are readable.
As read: 7.45
